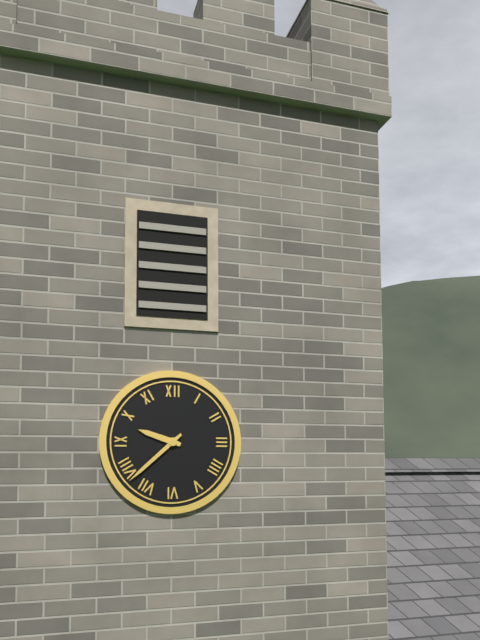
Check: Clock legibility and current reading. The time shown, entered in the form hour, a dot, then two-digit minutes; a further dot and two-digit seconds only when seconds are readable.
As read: 9.38
